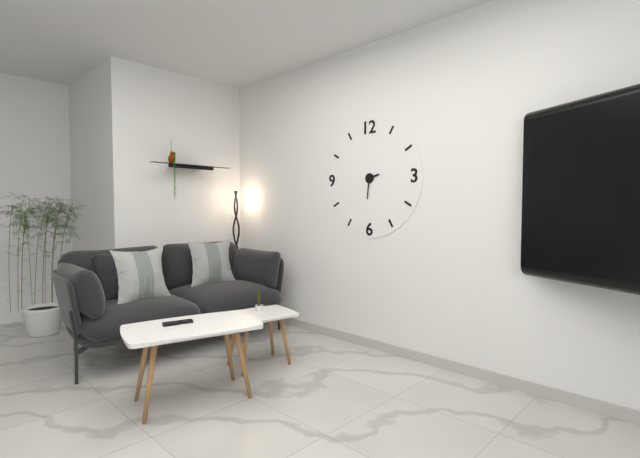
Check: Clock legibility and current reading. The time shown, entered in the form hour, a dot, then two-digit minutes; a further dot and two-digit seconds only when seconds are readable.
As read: 2.31
